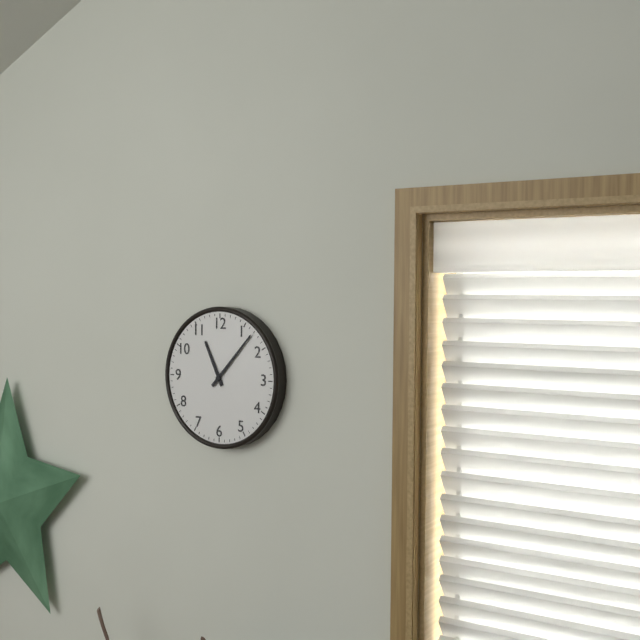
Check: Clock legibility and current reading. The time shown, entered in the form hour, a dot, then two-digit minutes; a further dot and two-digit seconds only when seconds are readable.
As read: 11.07
